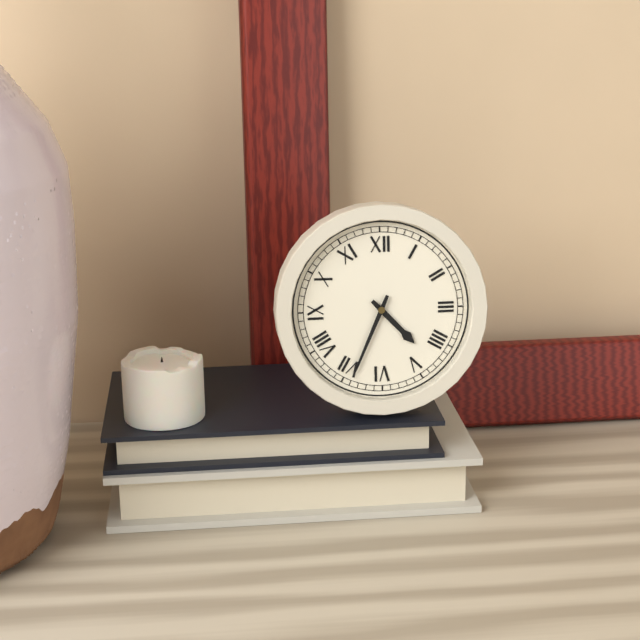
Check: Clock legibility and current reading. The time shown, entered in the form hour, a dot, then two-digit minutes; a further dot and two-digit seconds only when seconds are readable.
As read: 4.34
